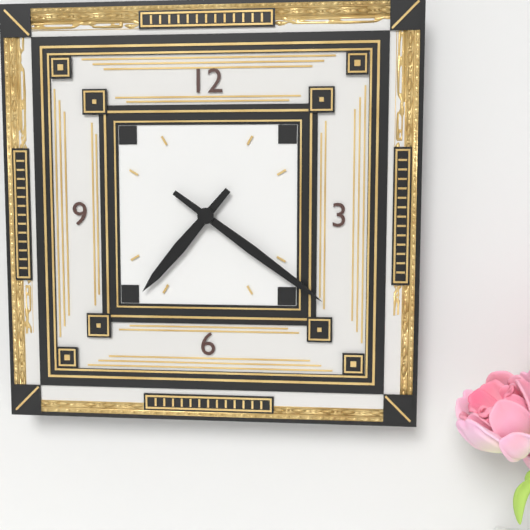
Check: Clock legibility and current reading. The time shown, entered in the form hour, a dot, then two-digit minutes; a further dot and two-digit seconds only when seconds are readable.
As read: 7.21
